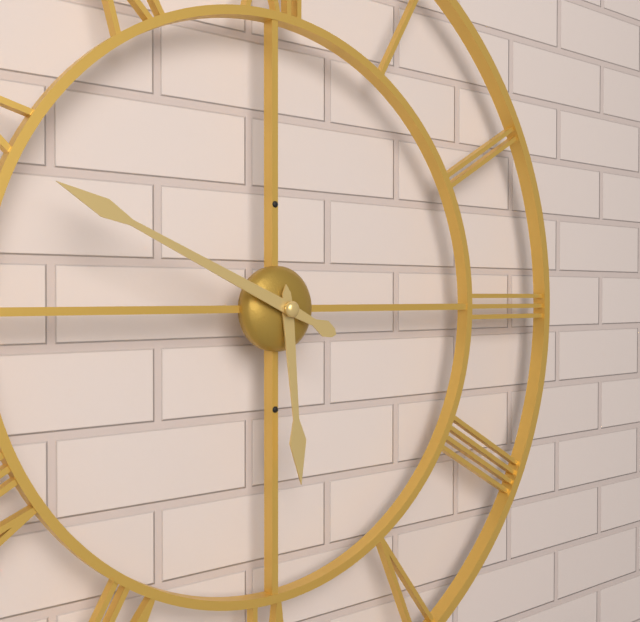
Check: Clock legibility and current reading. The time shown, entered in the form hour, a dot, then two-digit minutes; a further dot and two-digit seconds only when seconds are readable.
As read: 5.49
